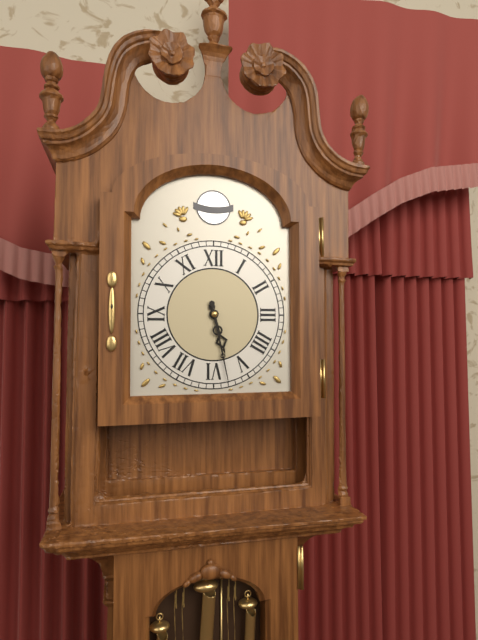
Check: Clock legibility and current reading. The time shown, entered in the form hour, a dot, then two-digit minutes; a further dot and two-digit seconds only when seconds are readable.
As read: 5.28
